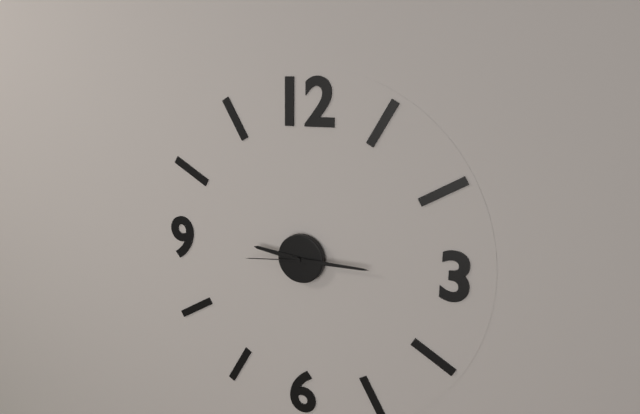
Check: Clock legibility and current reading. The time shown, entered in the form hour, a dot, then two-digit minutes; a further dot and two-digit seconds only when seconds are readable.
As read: 9.15.44
